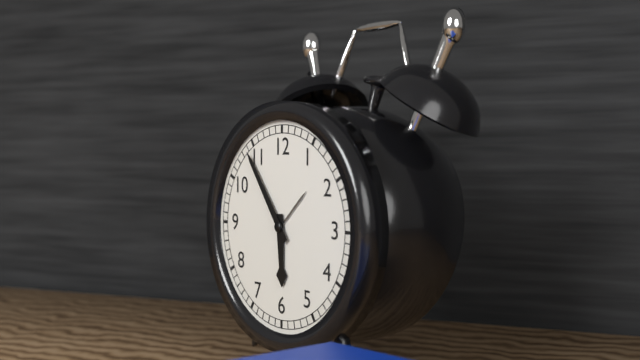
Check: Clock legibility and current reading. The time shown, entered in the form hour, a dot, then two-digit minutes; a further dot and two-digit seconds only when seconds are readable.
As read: 5.54
